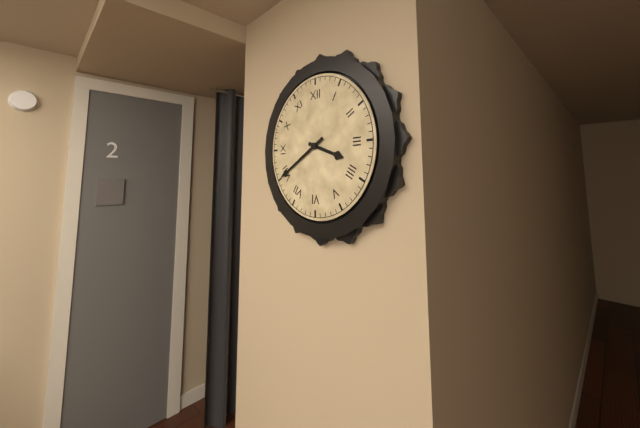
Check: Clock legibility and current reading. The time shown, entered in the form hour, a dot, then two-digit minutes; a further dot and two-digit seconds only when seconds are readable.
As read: 3.40
